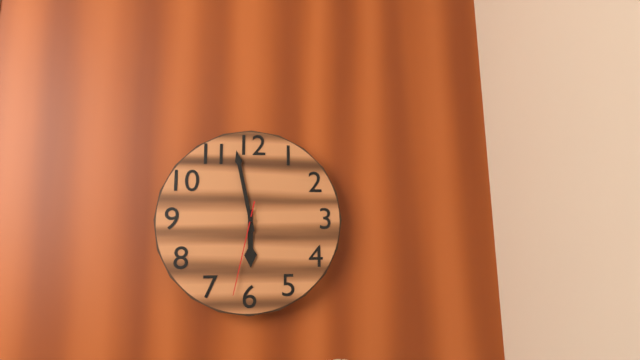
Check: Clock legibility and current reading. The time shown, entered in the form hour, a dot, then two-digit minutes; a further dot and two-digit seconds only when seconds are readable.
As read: 5.58.32
